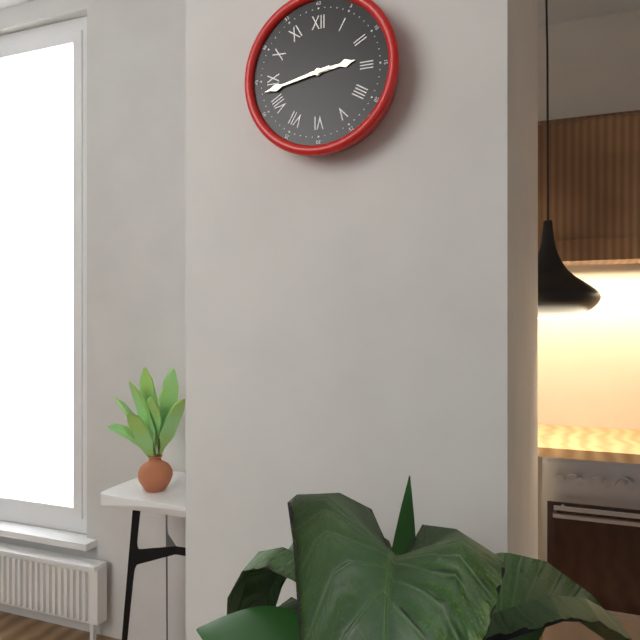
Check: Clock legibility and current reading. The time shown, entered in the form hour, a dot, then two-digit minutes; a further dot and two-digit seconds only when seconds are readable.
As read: 2.43
